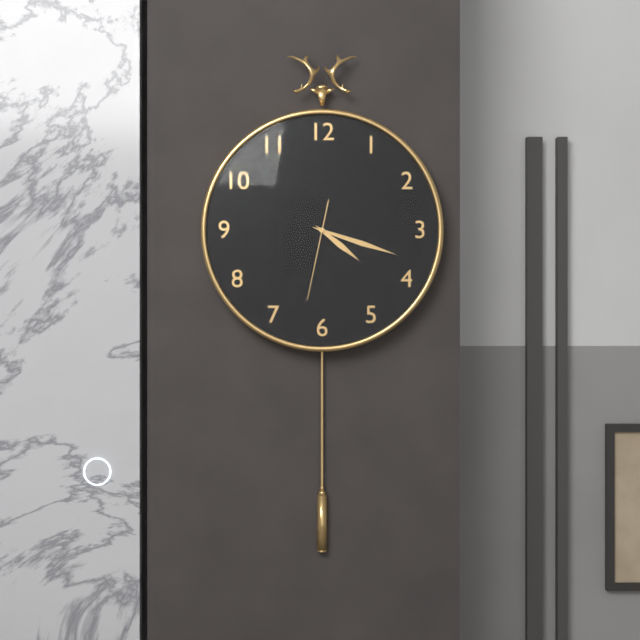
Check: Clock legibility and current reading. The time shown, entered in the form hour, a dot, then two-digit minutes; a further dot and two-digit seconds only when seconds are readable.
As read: 4.18.32
